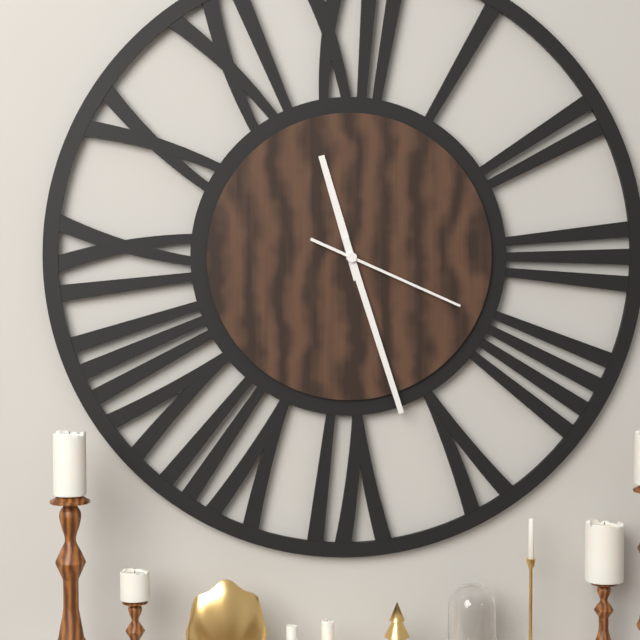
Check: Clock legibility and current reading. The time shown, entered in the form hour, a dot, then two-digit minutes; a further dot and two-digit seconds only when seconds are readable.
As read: 11.27.19
